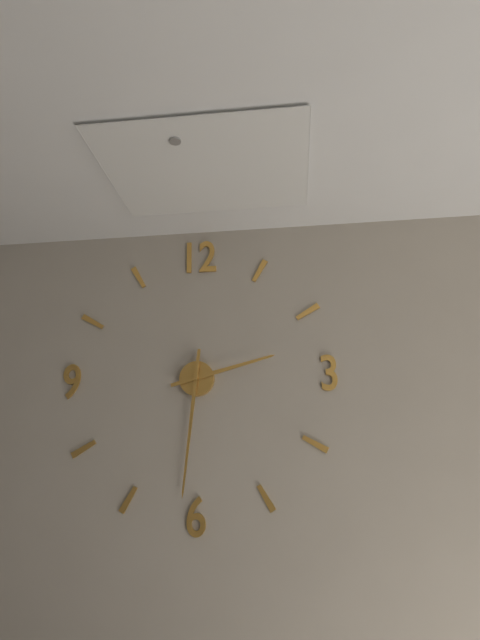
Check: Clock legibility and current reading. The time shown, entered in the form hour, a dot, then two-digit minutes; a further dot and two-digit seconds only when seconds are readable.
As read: 2.31
